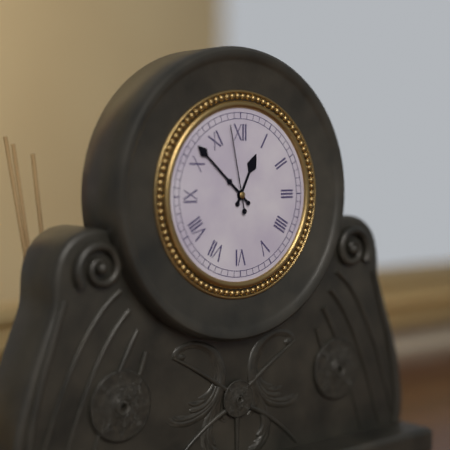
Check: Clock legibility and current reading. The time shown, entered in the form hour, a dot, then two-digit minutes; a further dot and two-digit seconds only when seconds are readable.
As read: 12.52.58
